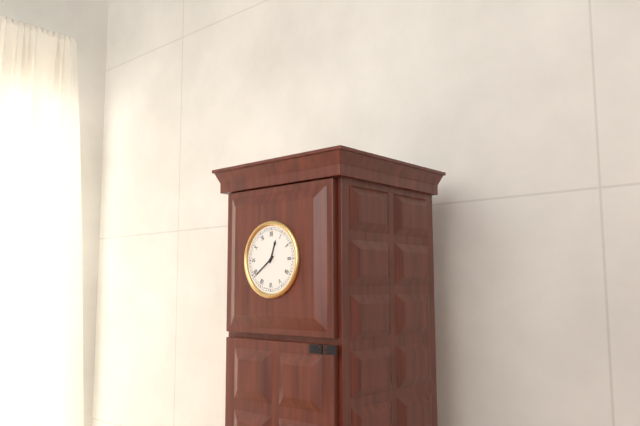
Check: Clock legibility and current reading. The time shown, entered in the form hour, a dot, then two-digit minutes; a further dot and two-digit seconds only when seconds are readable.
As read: 12.39
